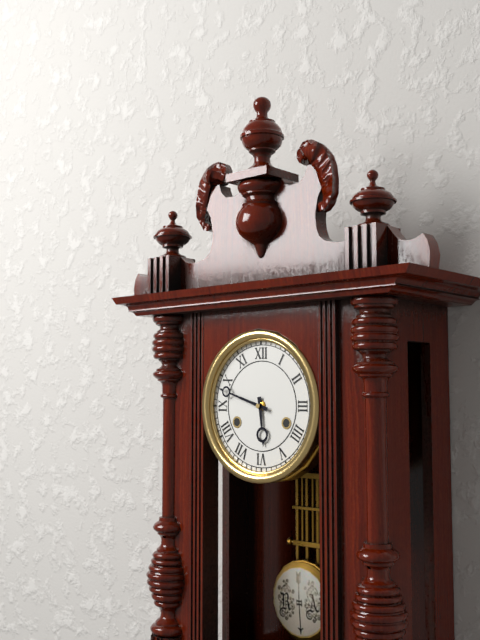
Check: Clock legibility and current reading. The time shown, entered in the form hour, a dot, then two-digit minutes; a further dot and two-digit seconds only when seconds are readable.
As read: 5.48
